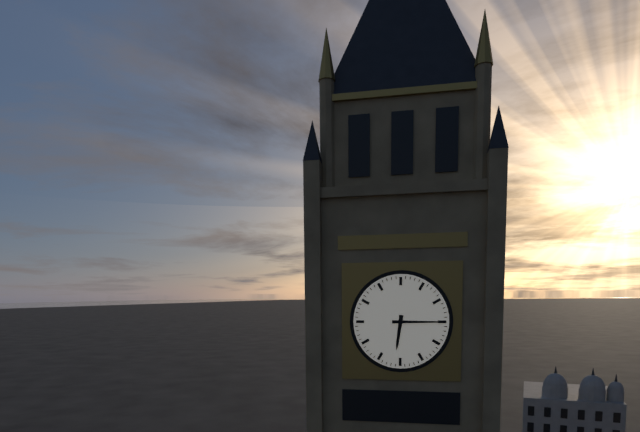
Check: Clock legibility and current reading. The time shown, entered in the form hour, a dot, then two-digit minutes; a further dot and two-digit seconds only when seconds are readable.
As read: 6.15
